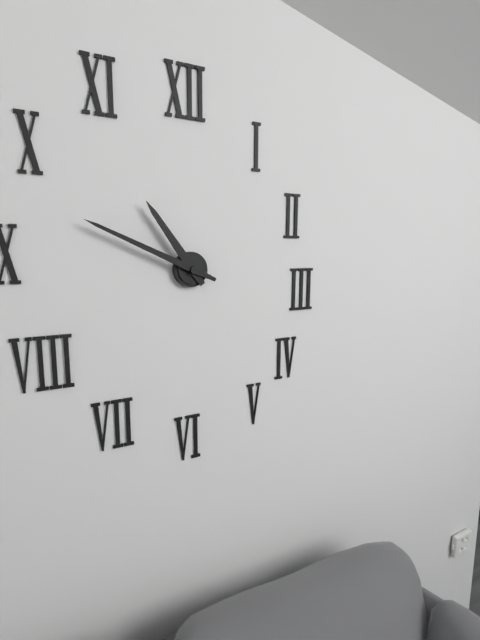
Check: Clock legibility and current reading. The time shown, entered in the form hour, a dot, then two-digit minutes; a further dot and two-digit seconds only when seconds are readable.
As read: 10.49
